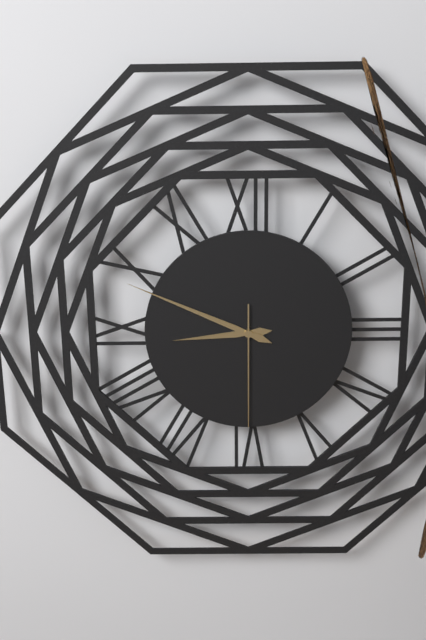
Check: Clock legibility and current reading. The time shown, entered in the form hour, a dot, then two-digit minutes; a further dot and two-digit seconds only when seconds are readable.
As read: 8.49.30
